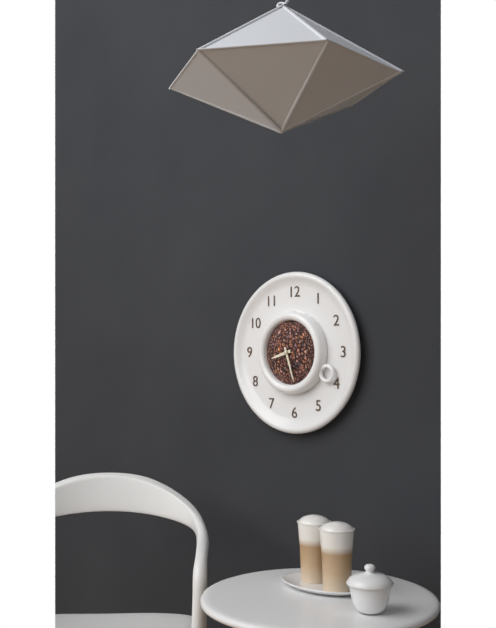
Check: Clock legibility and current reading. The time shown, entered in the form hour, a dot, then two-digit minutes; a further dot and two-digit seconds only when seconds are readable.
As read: 8.27
